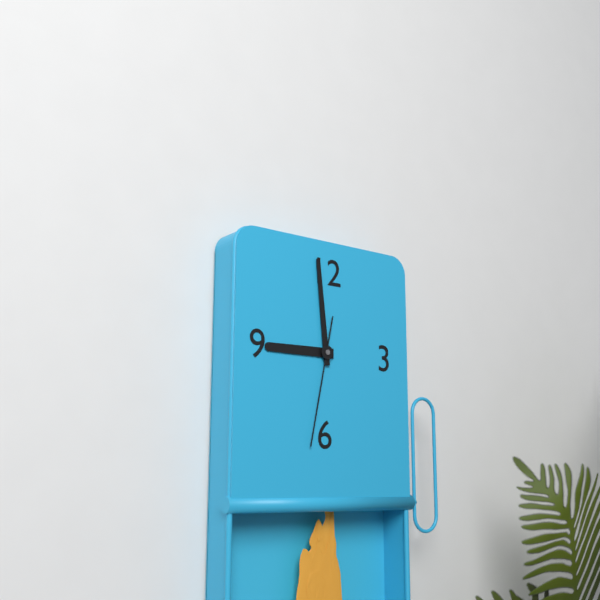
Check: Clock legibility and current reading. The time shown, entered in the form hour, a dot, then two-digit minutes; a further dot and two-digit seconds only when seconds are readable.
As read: 8.59.32
